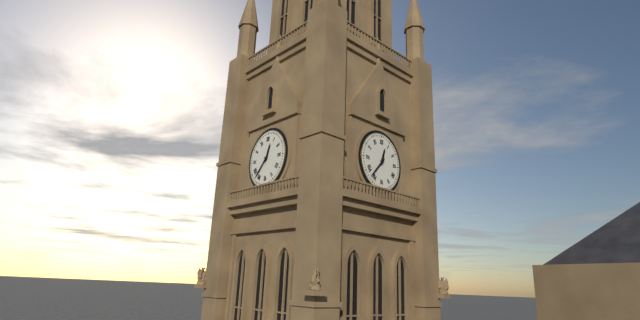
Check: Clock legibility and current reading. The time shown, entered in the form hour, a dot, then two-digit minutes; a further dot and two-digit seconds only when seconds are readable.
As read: 12.37
